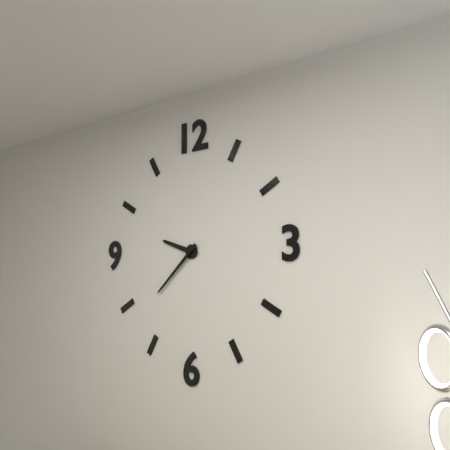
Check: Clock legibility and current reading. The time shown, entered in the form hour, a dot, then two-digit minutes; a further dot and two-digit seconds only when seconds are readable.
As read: 9.38
